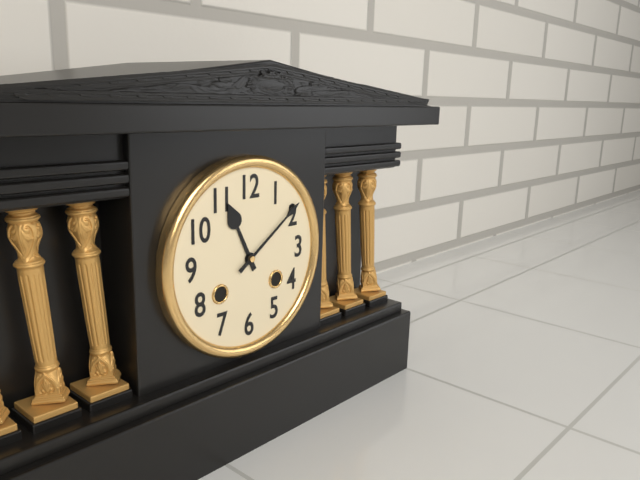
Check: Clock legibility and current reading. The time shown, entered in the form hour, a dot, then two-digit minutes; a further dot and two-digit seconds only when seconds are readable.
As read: 11.09
